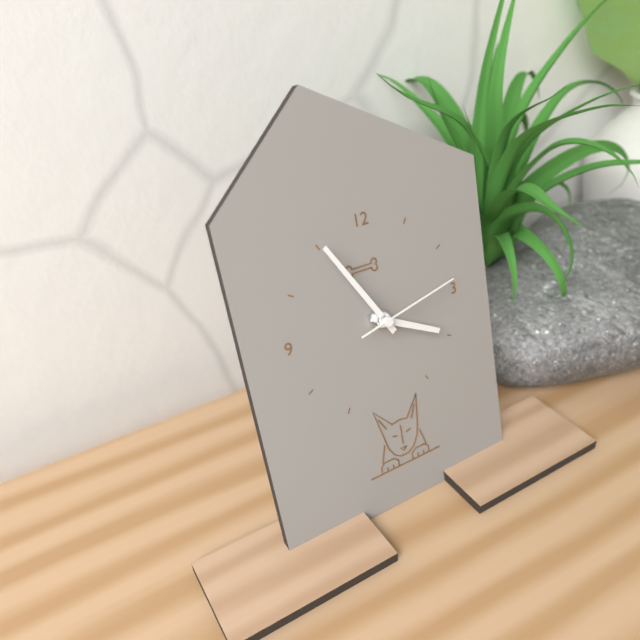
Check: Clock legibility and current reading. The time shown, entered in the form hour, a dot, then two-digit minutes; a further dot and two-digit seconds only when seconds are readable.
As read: 3.55.13
